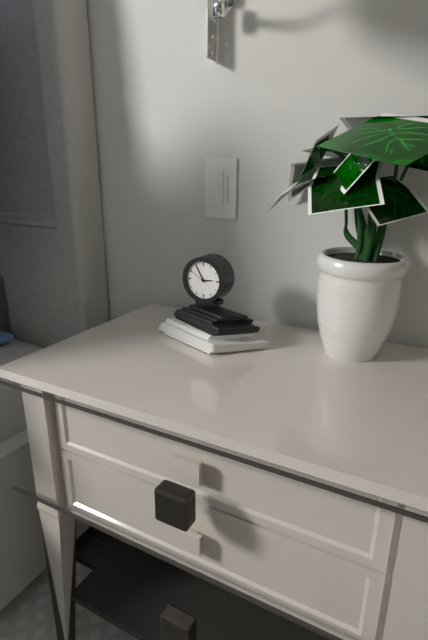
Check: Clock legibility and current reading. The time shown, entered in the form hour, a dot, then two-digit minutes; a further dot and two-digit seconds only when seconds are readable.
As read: 2.55
